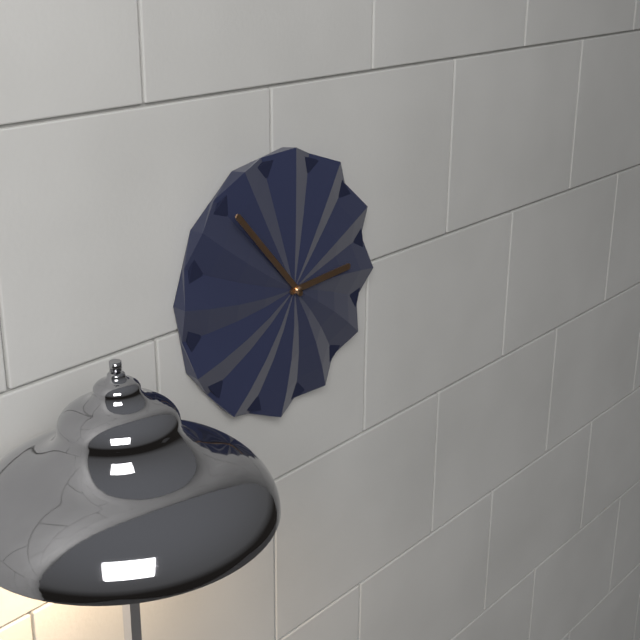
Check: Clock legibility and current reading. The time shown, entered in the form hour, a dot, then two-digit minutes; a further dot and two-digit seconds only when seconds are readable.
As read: 2.53
